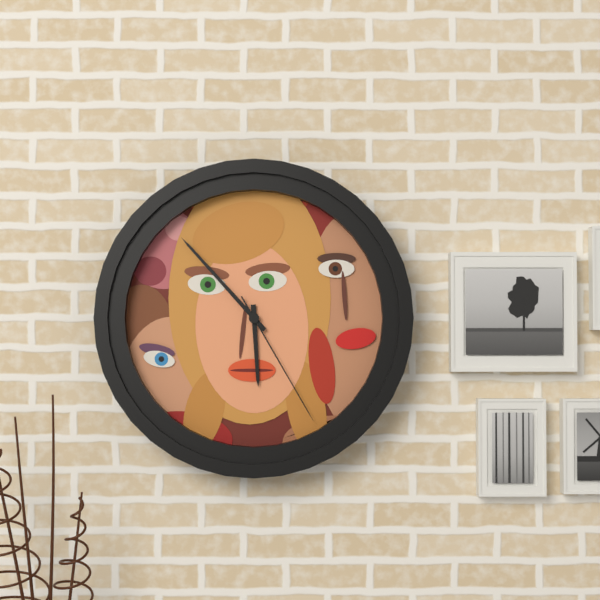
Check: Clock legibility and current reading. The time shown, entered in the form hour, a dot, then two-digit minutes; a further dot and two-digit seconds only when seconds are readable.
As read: 5.53.25
